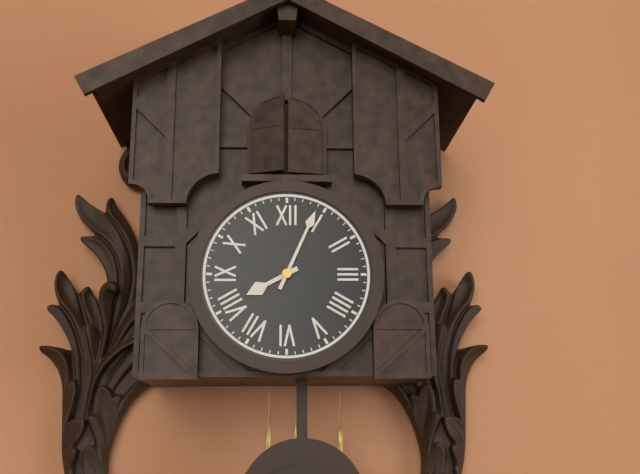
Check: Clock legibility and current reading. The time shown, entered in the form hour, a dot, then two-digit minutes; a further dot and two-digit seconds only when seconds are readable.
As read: 8.04
